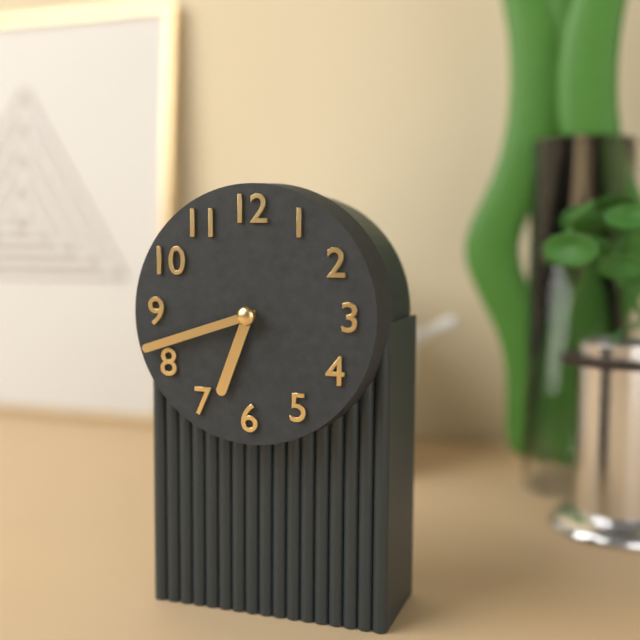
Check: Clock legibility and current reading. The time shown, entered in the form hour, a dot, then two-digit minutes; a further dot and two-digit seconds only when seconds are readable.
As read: 6.42
